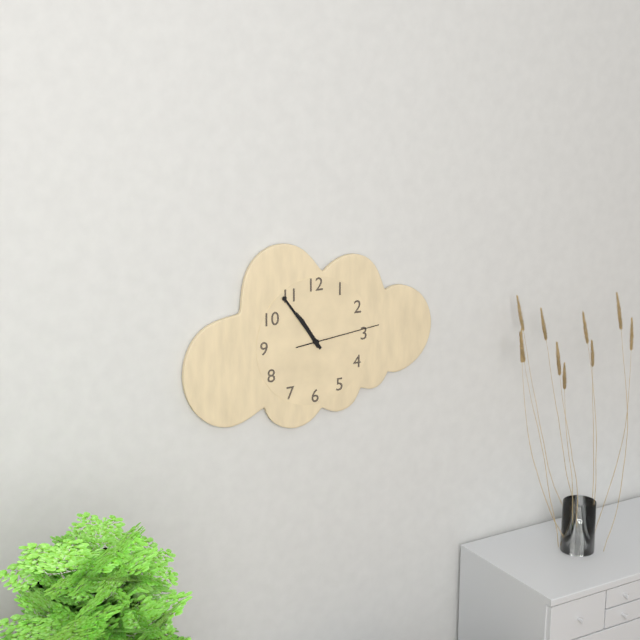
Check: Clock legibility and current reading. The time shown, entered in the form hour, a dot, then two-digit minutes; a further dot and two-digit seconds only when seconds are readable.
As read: 10.54.14
